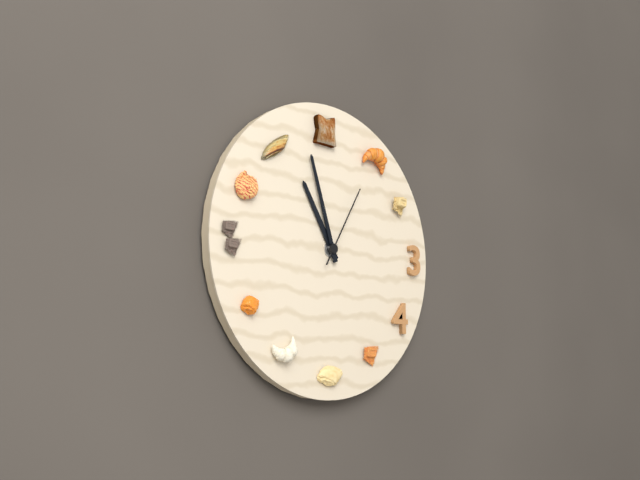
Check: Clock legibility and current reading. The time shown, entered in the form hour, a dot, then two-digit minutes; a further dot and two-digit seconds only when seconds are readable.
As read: 10.57.05
